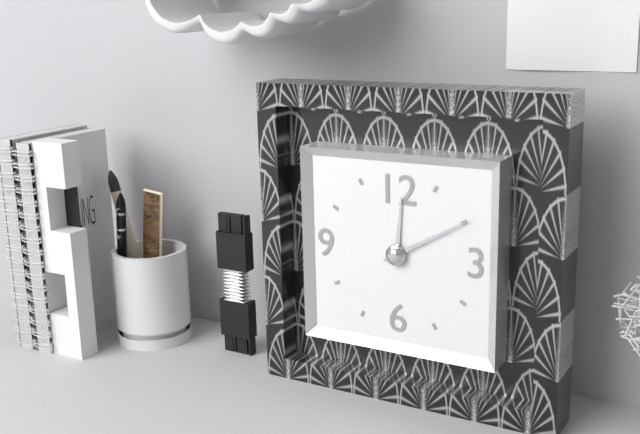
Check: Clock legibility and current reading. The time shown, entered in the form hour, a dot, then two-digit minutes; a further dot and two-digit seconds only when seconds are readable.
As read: 12.10
